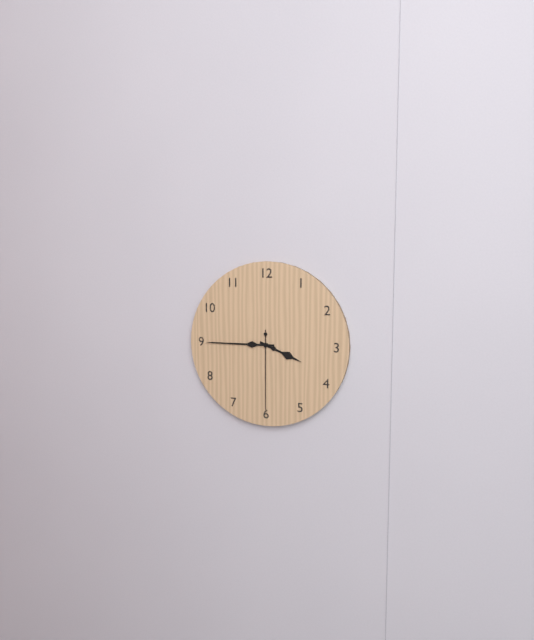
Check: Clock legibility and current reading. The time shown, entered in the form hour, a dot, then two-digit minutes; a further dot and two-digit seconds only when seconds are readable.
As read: 3.45.30
